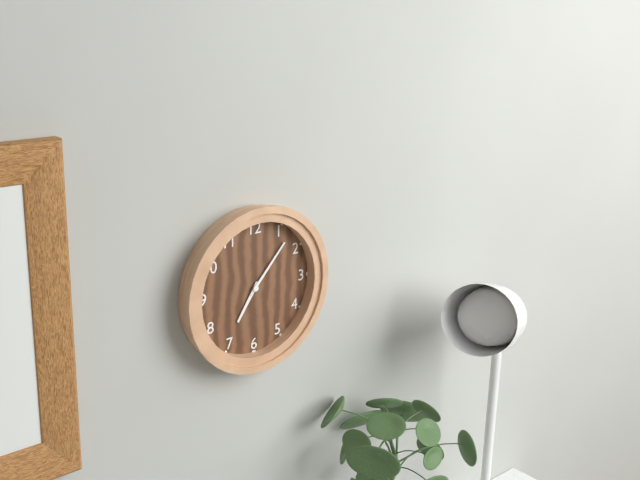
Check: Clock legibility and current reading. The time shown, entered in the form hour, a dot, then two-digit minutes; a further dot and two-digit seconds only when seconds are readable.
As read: 7.07
